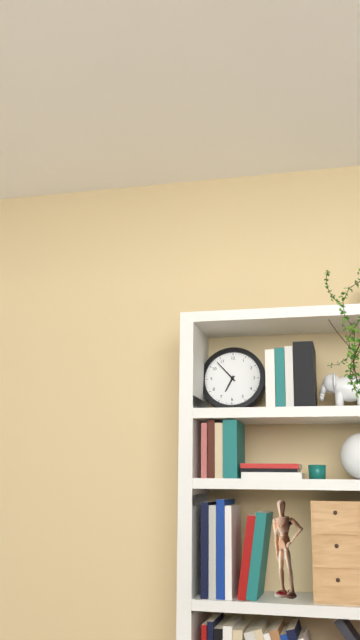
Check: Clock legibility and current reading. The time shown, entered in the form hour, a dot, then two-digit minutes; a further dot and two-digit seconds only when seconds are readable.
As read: 6.53
